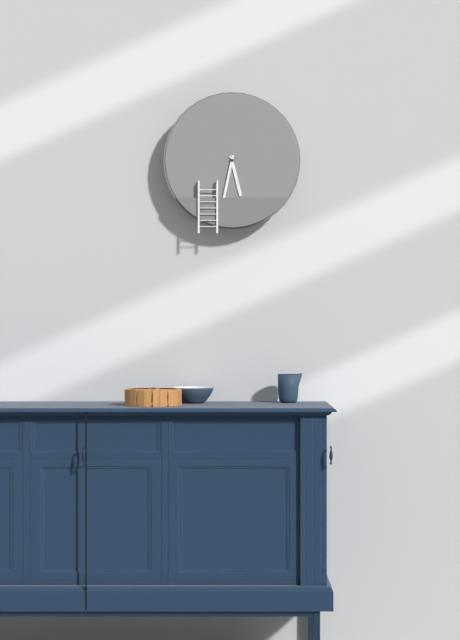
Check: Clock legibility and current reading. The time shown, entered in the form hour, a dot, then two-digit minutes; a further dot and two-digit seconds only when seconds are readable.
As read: 5.32
